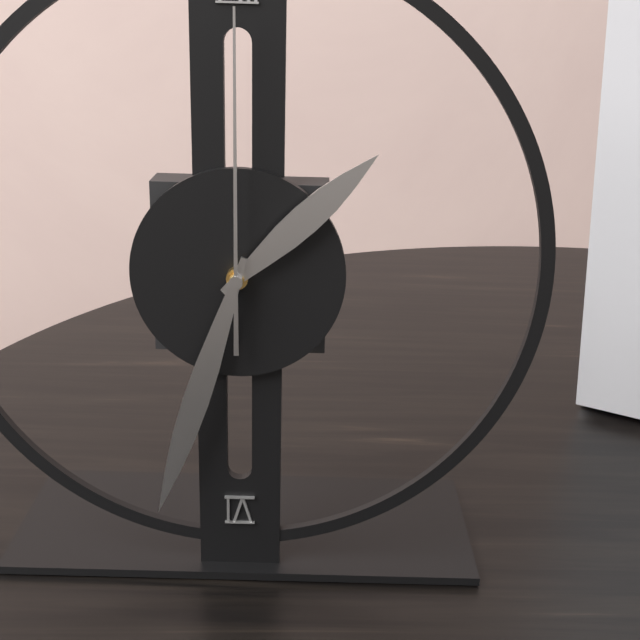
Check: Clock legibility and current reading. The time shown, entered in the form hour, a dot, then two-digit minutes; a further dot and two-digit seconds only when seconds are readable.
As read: 1.33.00
